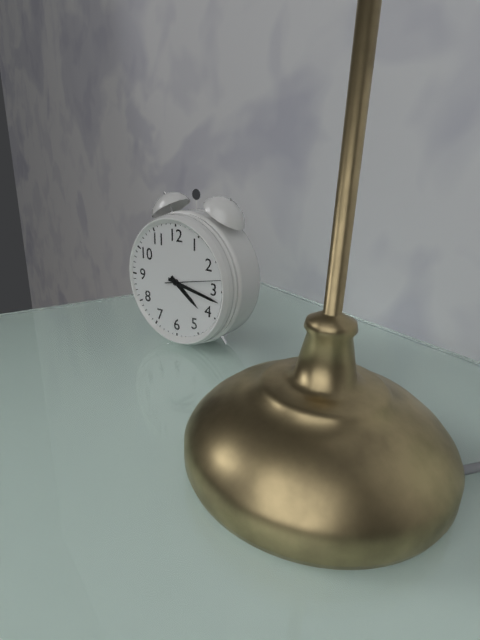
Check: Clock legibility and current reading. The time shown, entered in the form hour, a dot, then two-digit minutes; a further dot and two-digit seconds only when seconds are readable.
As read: 4.17.13
